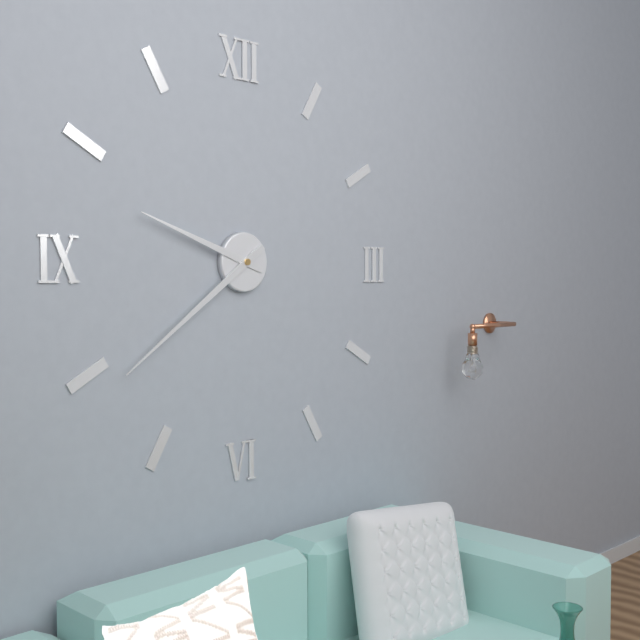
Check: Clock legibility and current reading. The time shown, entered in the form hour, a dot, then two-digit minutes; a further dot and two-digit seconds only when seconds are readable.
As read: 9.39
